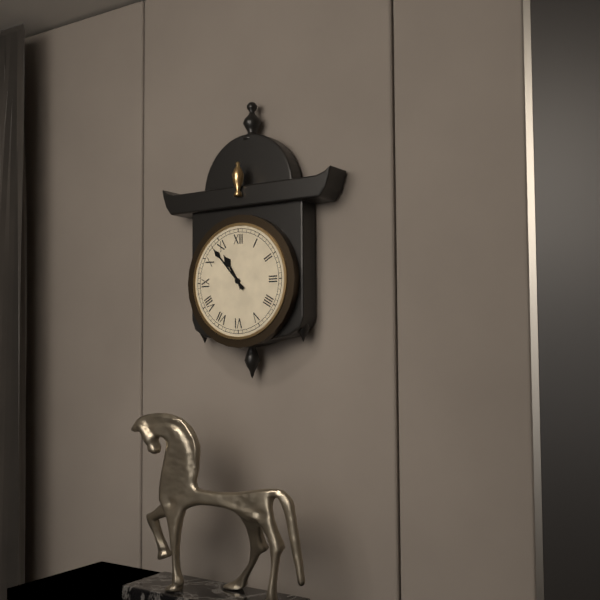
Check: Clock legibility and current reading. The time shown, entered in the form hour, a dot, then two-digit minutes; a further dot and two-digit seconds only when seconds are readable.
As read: 10.53
